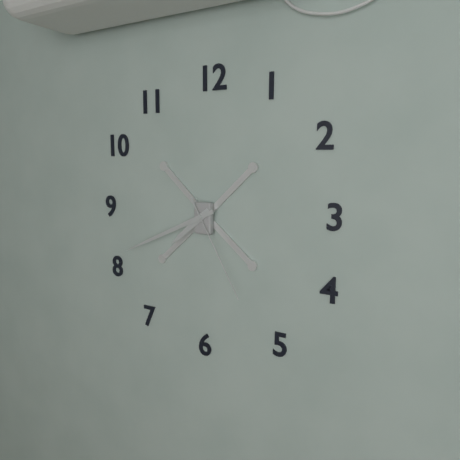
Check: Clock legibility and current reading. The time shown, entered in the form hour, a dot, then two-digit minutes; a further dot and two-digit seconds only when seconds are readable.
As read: 7.41.25
